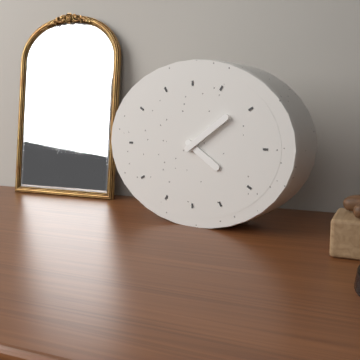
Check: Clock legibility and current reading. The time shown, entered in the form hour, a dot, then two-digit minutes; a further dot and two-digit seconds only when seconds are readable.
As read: 4.09
